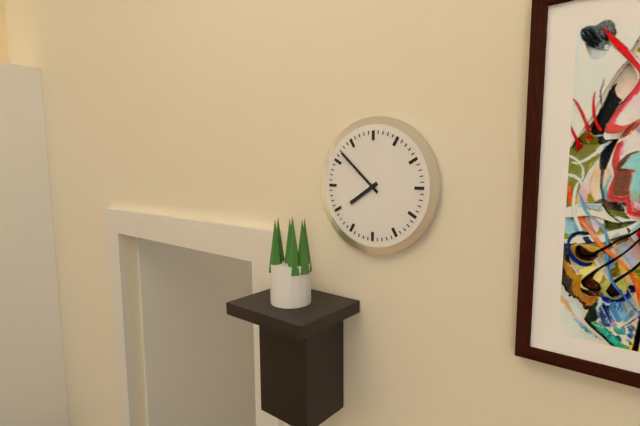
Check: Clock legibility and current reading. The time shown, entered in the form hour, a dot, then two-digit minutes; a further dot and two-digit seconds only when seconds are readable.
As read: 7.52
